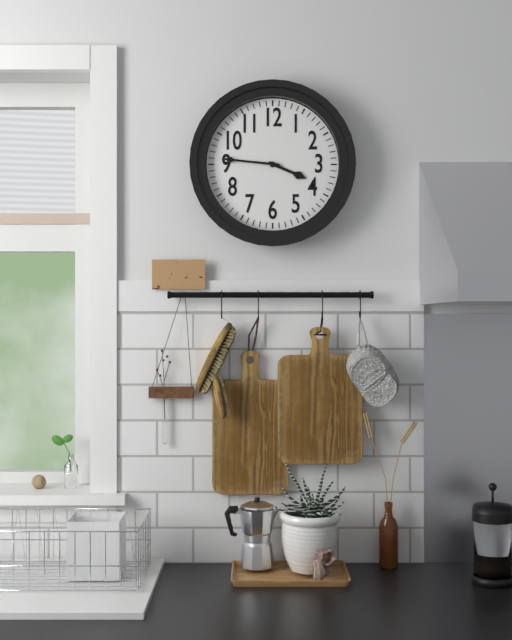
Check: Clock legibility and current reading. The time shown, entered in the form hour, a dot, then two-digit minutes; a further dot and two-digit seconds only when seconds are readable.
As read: 3.46
